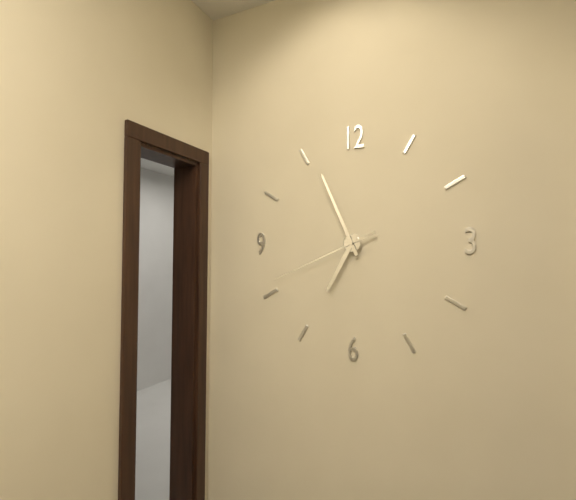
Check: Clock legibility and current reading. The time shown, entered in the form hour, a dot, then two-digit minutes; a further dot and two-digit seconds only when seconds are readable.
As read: 6.56.41
